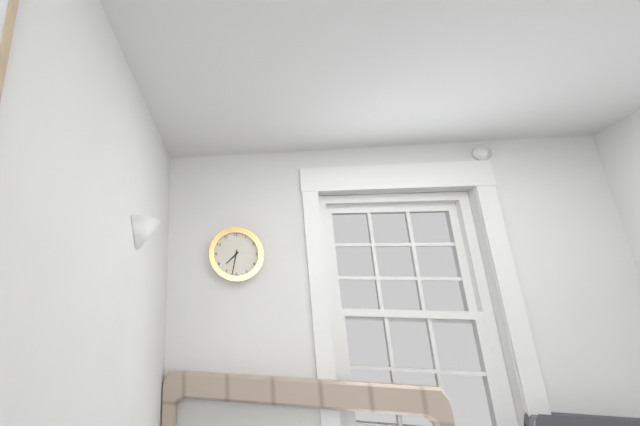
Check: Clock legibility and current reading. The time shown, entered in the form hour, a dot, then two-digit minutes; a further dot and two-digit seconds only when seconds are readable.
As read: 7.32
